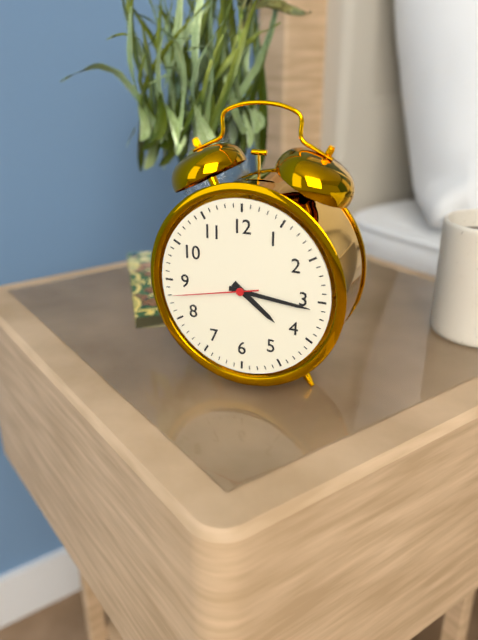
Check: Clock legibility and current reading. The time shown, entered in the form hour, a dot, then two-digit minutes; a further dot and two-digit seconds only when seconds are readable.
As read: 4.16.43
